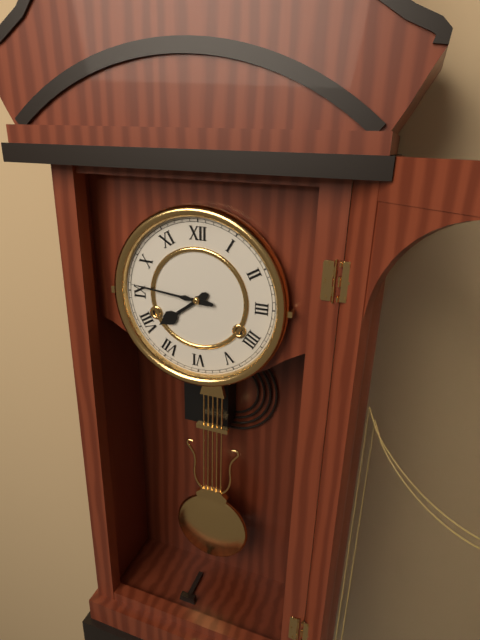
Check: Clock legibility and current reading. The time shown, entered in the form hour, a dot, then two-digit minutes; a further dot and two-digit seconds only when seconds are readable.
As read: 7.46
